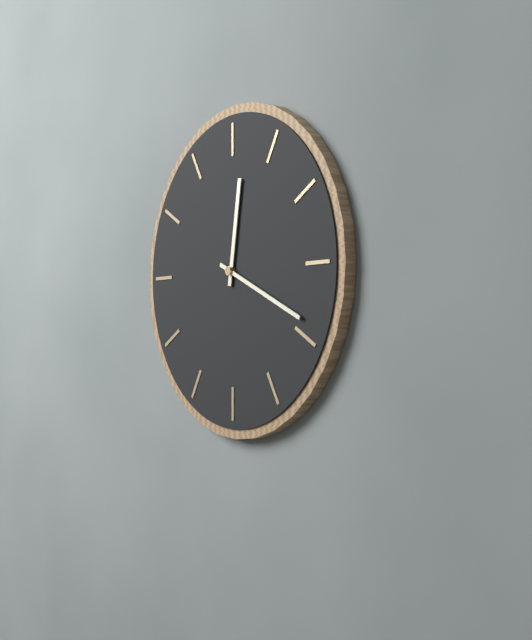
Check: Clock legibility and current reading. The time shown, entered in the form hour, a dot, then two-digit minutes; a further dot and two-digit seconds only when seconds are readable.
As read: 12.19
